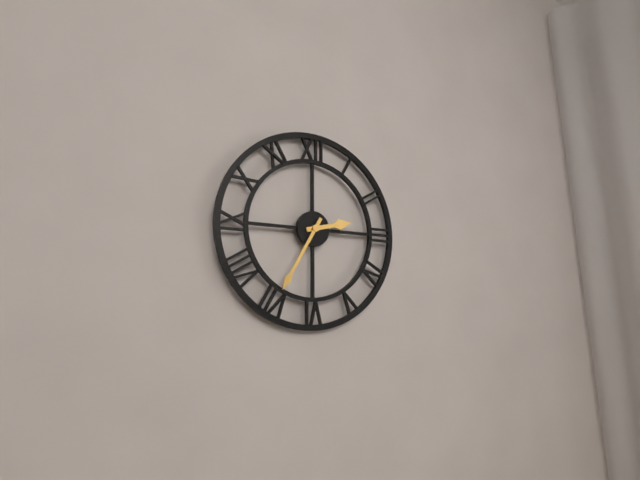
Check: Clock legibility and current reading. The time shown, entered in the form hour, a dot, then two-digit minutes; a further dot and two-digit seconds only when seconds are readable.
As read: 2.35
